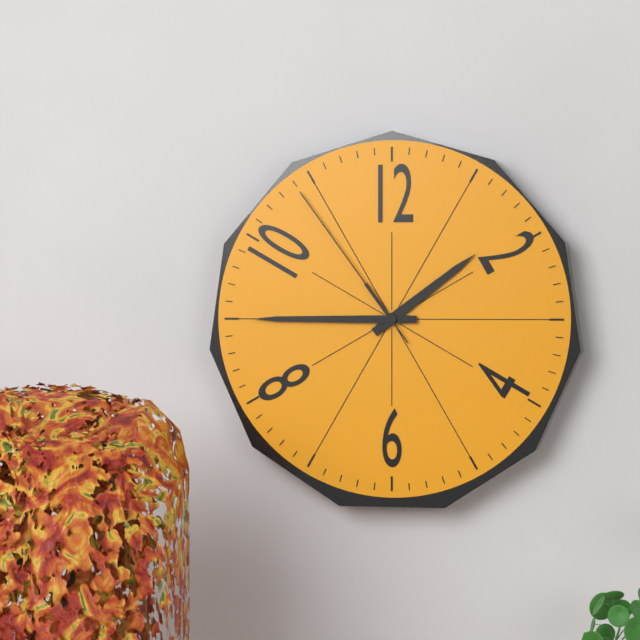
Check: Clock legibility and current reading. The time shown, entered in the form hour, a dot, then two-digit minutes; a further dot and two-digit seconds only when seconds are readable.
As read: 1.45.54
